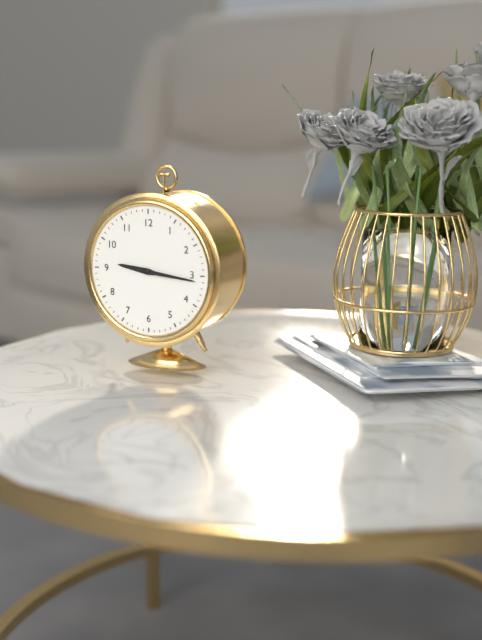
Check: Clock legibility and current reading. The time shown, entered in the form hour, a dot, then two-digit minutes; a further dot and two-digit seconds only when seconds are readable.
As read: 9.16
